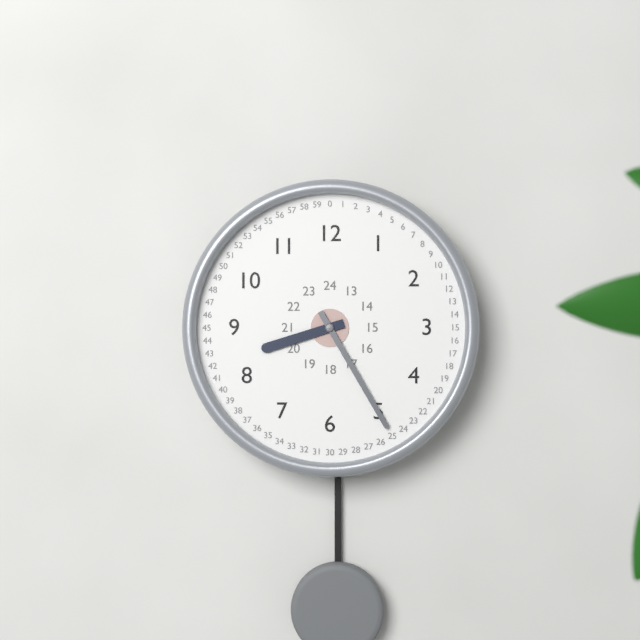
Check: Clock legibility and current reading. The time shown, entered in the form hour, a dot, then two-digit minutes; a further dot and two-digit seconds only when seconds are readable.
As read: 8.25
